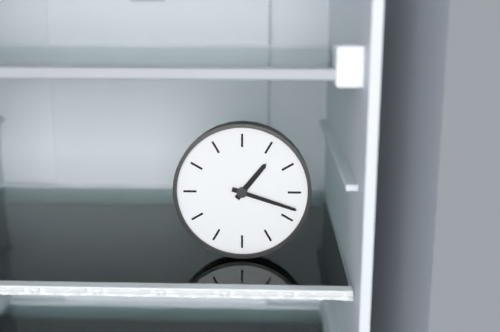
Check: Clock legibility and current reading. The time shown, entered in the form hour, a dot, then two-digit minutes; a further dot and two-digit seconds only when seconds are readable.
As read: 1.18
